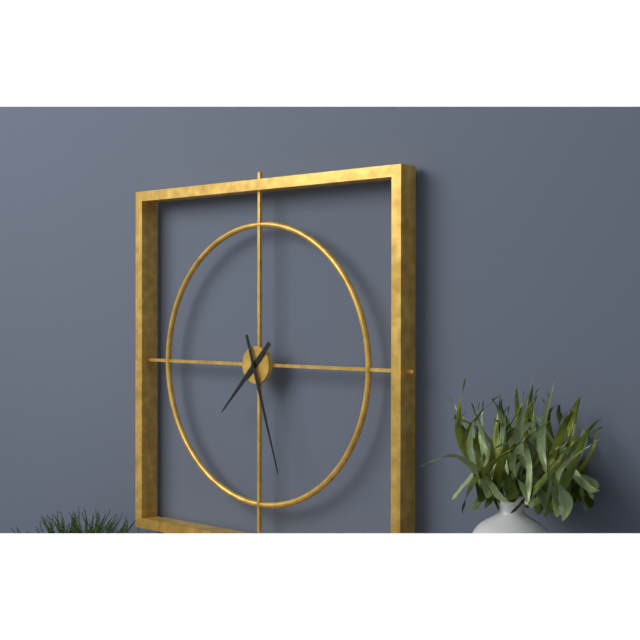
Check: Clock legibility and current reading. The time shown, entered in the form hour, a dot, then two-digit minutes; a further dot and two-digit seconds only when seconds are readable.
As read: 7.27
